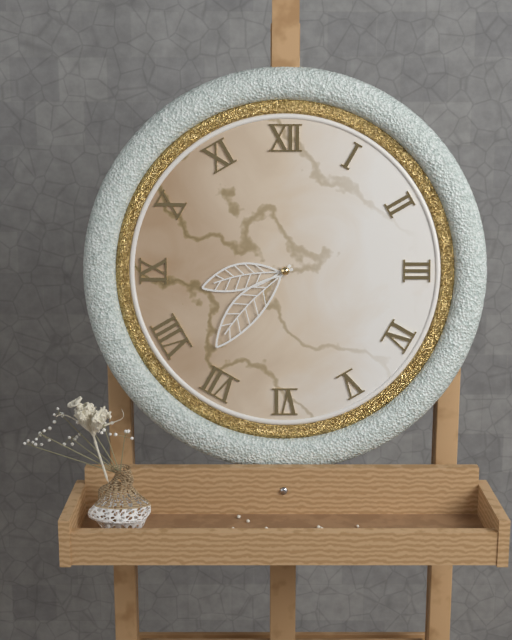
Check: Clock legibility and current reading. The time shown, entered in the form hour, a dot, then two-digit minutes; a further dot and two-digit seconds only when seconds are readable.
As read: 8.37
